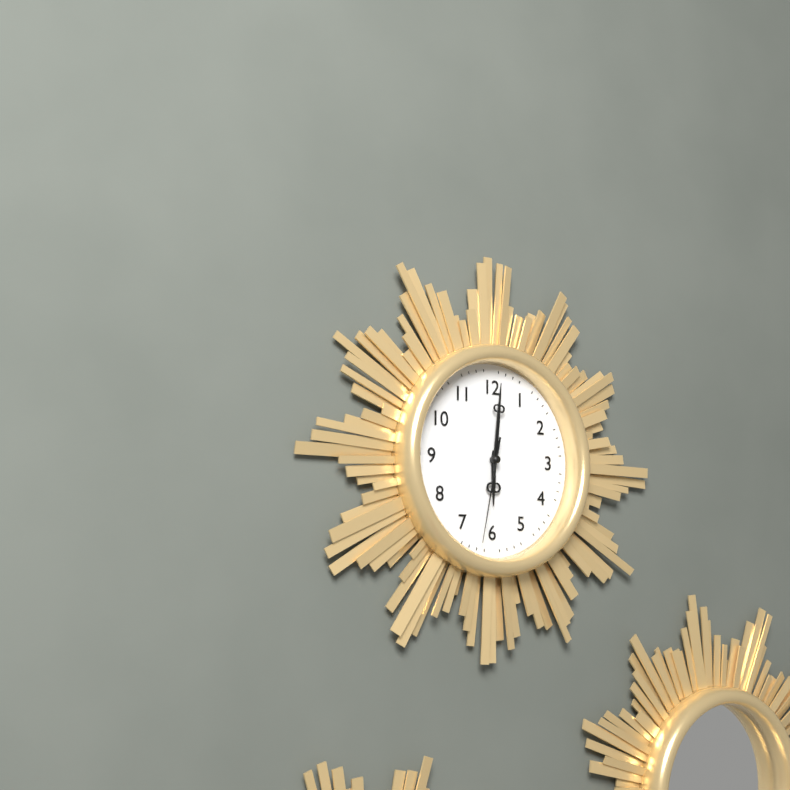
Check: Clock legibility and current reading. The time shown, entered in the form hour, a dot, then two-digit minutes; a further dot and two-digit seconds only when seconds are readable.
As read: 6.01.32
